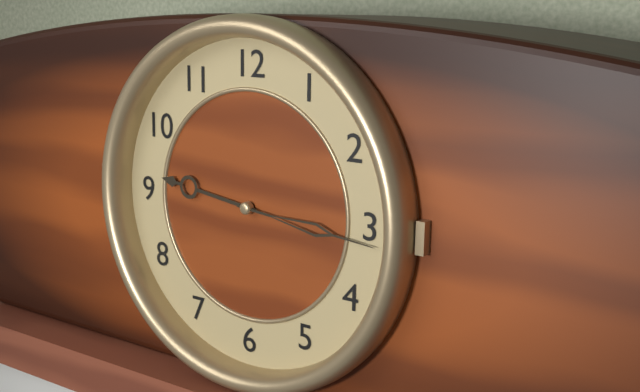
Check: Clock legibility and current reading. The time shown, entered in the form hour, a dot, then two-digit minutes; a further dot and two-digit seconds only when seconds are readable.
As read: 9.16
